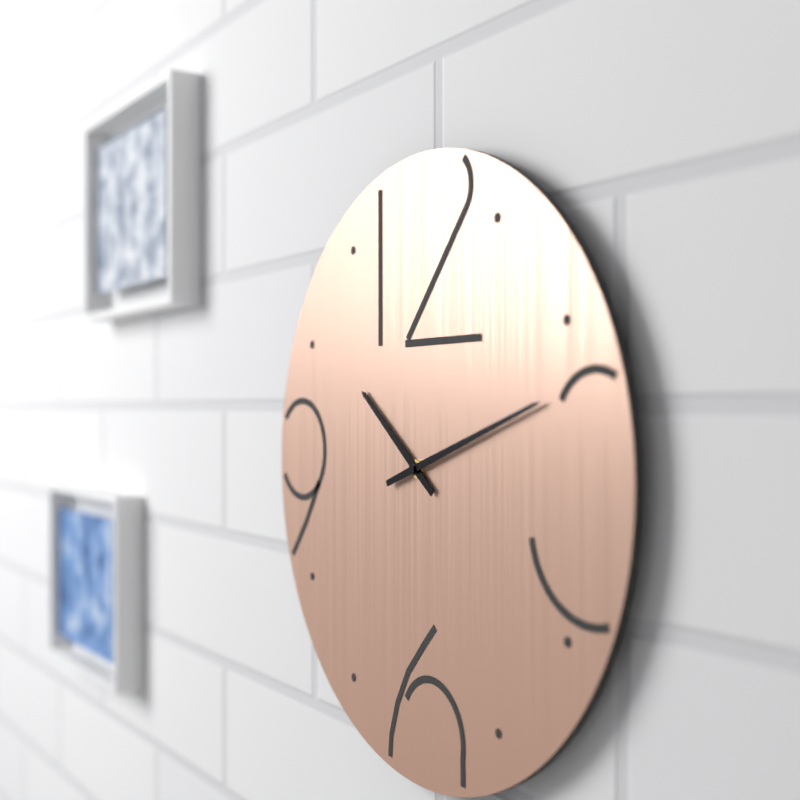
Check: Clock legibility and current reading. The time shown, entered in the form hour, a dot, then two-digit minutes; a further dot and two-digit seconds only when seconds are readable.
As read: 10.12
